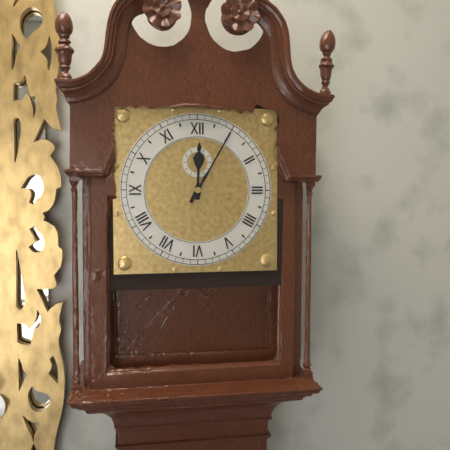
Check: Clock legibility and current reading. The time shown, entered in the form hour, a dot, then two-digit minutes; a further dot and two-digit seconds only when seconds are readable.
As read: 12.05
